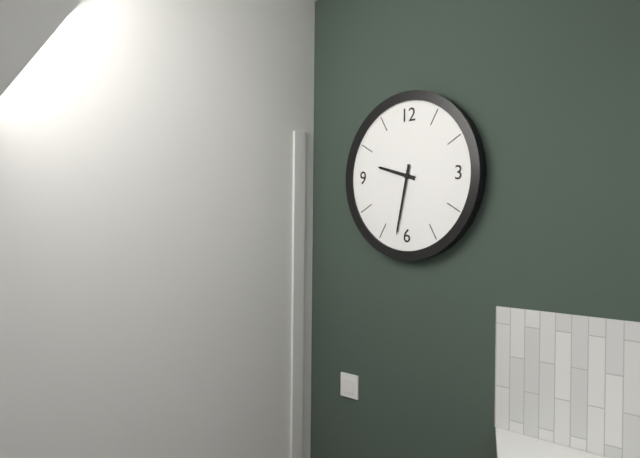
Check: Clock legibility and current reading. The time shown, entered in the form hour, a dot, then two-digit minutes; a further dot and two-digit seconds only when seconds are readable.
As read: 9.32
